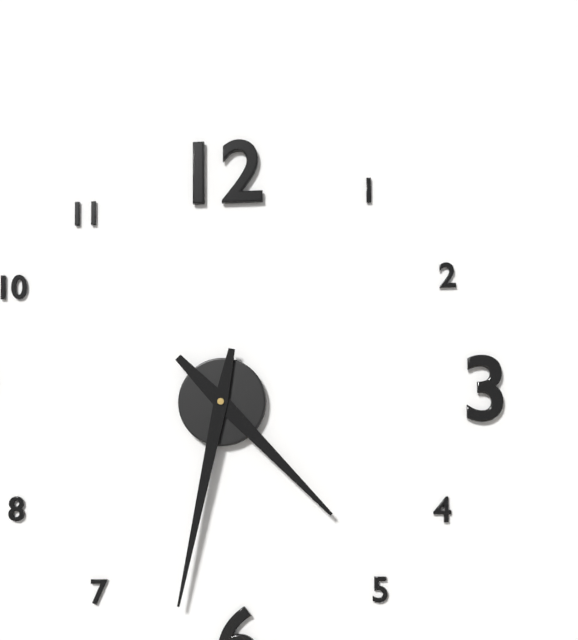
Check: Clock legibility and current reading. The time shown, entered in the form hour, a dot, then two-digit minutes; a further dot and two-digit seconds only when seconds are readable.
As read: 4.32
